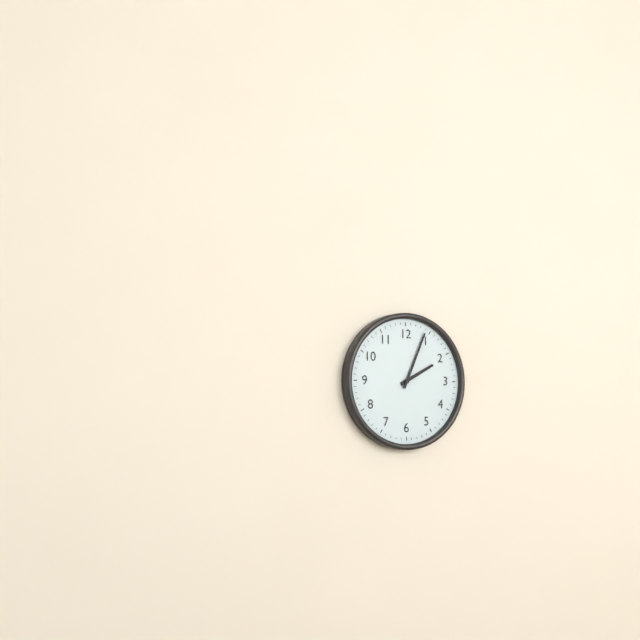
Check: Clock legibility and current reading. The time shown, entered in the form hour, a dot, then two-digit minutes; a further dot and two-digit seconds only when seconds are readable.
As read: 2.04
